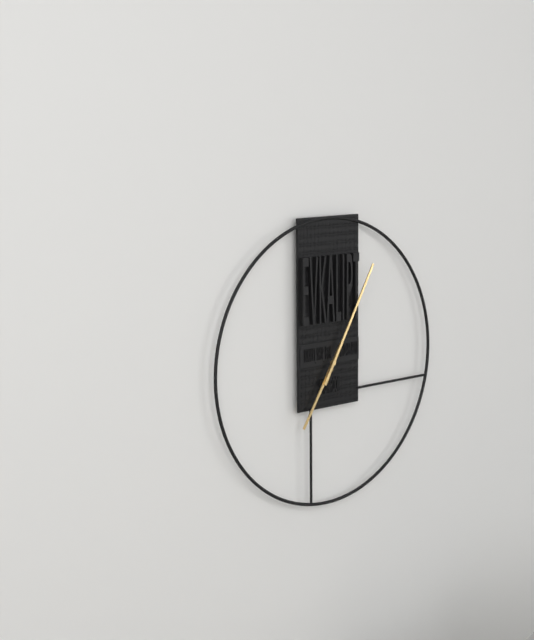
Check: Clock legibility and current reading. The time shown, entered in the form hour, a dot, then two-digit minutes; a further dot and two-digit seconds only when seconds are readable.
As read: 7.05
